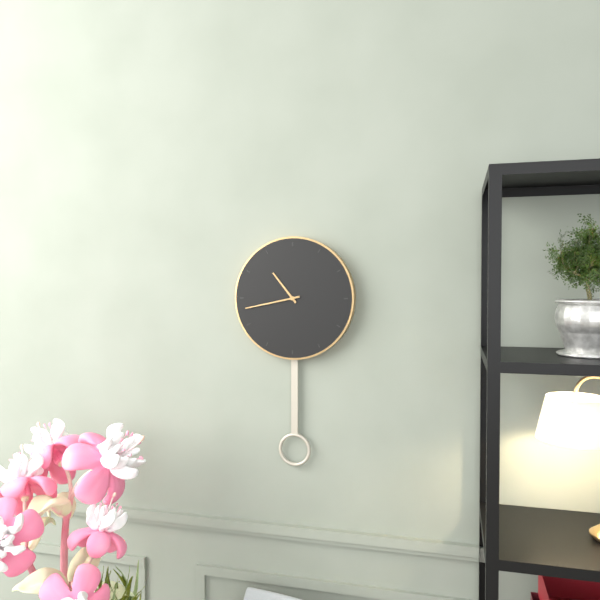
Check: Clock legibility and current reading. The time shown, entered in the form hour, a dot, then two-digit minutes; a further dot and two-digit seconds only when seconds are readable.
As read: 10.43
